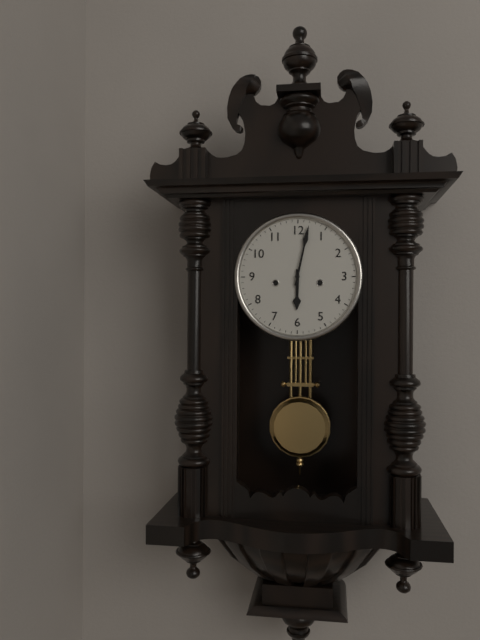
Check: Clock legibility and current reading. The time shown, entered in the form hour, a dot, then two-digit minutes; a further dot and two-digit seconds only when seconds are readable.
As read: 6.02
